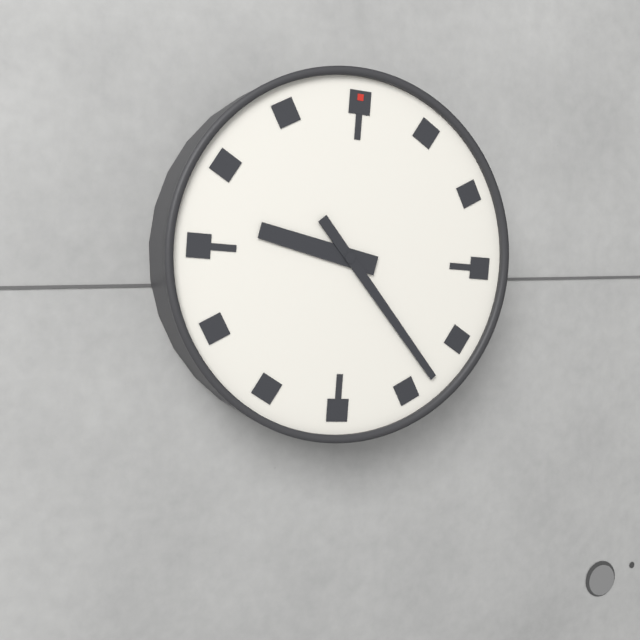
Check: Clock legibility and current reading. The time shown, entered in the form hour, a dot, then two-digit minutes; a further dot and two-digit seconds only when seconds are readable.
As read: 9.23
